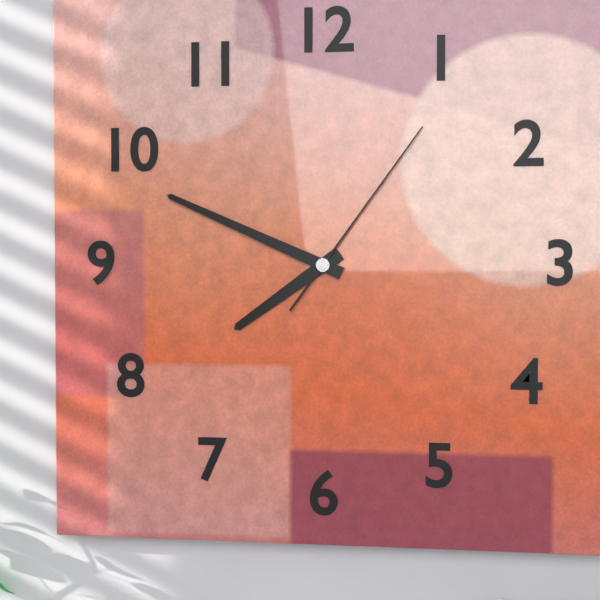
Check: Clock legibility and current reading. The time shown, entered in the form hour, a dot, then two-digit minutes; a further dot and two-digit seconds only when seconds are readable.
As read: 7.49.06
